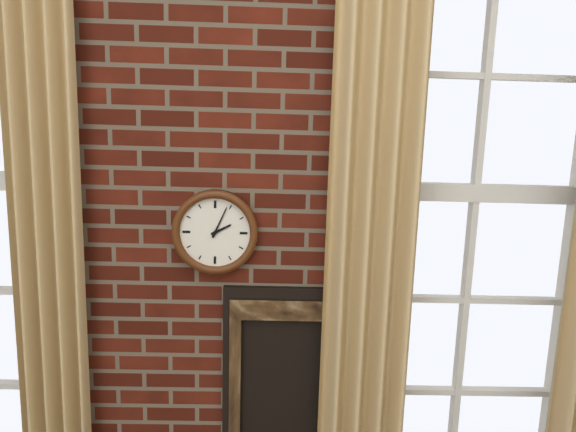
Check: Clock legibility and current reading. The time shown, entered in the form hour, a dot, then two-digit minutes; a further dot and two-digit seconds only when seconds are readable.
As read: 2.04
